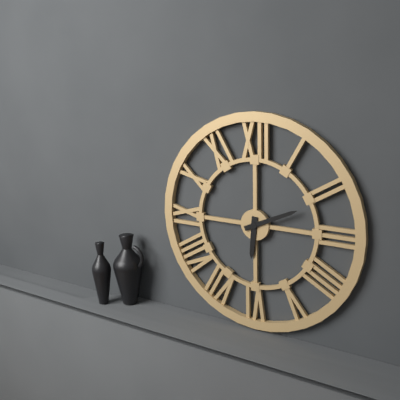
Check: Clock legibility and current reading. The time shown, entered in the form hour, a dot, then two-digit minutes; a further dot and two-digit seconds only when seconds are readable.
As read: 6.11
